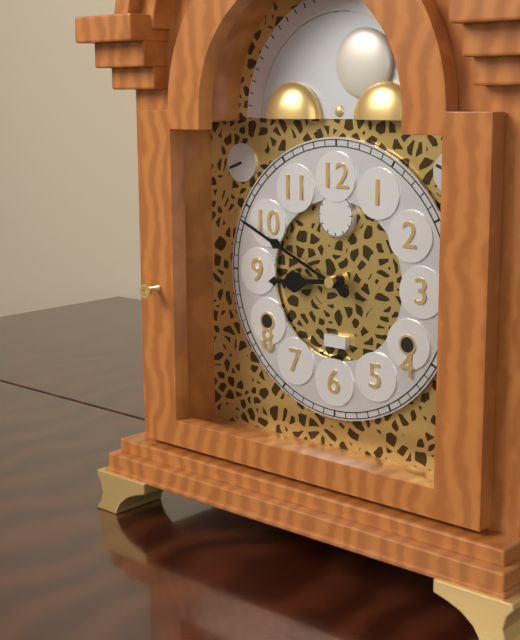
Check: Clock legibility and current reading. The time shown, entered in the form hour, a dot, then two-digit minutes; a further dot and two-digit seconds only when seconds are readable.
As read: 8.49
